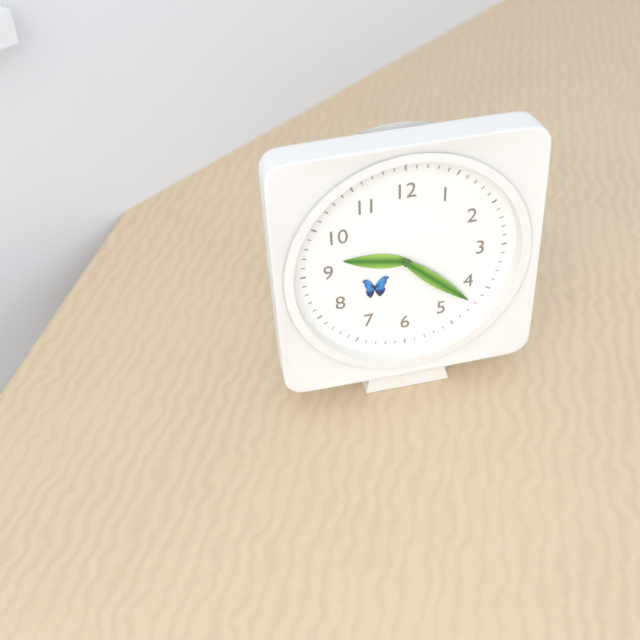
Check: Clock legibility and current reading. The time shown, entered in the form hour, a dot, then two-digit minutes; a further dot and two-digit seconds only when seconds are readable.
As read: 9.22
